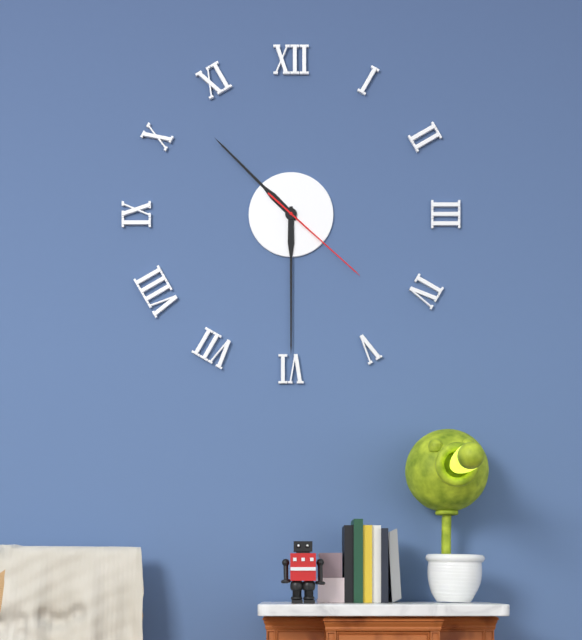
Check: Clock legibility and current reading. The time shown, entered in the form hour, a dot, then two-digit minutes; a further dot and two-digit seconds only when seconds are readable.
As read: 10.30.22
